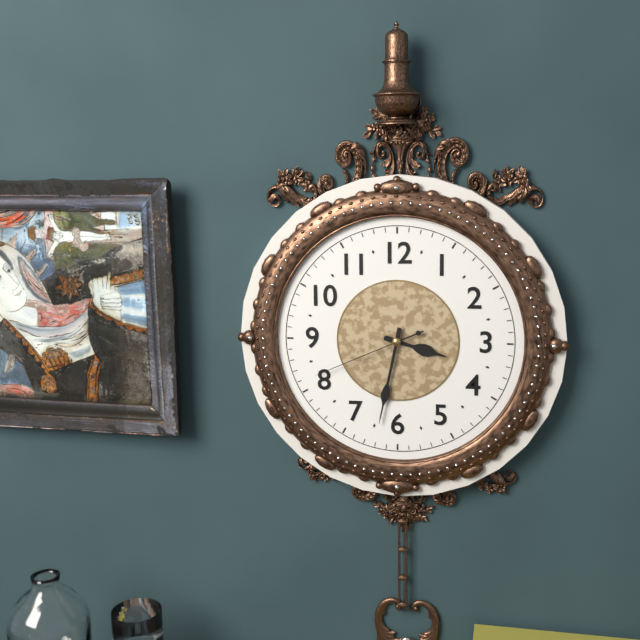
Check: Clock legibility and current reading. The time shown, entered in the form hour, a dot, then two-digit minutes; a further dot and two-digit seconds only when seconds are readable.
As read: 3.32.41
